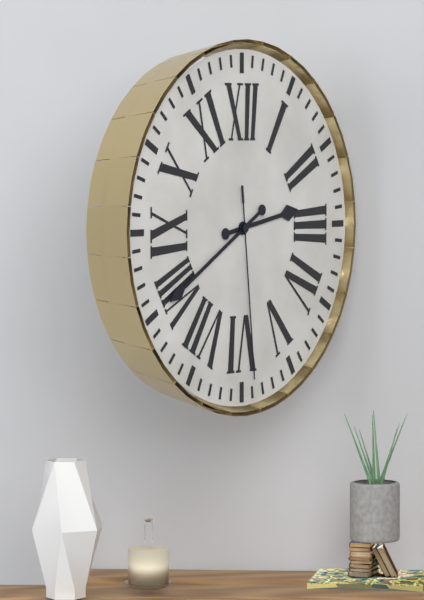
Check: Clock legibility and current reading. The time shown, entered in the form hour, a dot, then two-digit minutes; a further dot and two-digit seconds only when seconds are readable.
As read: 2.40.29
